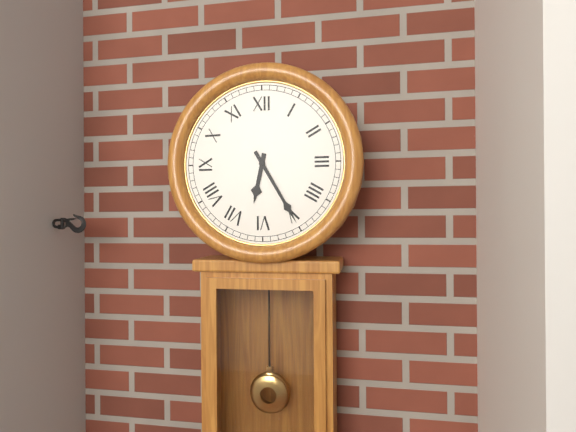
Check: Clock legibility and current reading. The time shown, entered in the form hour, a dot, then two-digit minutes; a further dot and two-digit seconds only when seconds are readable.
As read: 6.25
